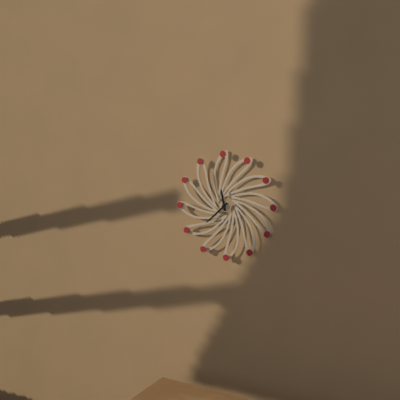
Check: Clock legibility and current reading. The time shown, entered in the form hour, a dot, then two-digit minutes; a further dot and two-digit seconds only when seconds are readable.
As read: 11.38
